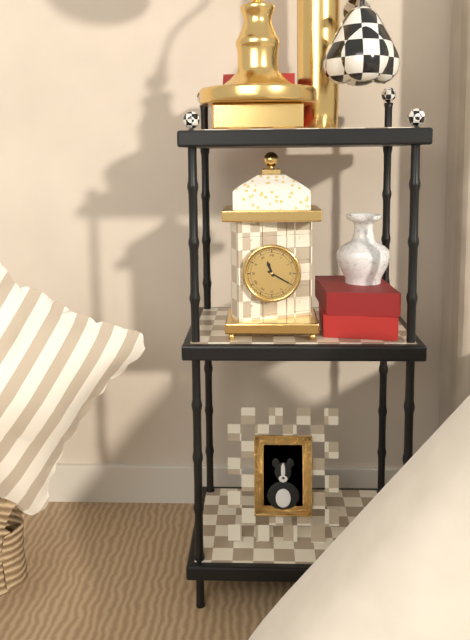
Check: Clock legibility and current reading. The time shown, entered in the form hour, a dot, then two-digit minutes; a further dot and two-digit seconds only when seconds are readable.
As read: 11.20
